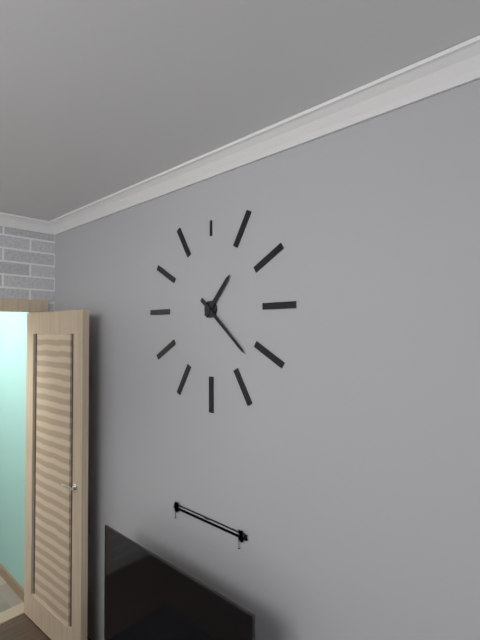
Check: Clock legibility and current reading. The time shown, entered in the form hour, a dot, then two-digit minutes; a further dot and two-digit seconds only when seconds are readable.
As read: 1.22
